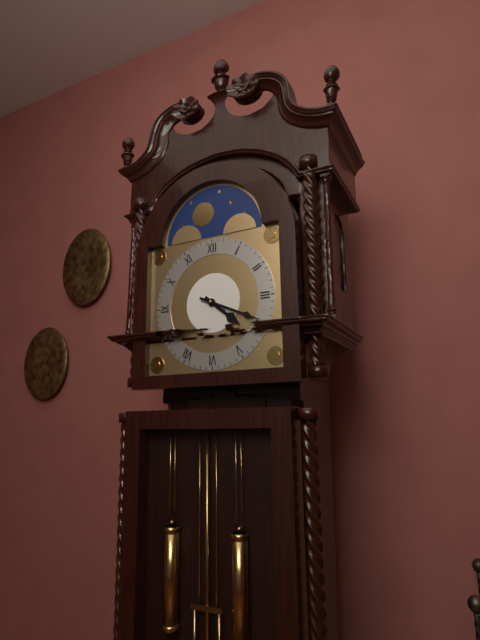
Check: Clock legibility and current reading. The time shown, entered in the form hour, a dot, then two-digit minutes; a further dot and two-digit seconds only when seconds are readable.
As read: 4.19
